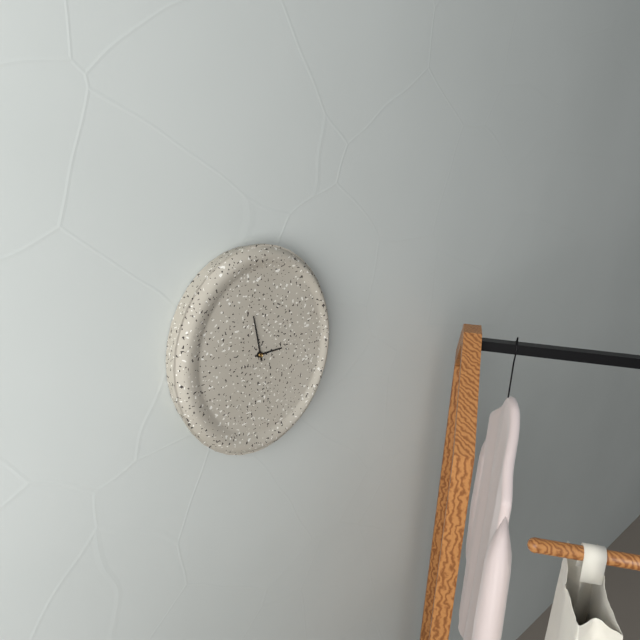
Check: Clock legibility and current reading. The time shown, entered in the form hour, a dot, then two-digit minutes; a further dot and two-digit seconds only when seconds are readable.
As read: 2.58
